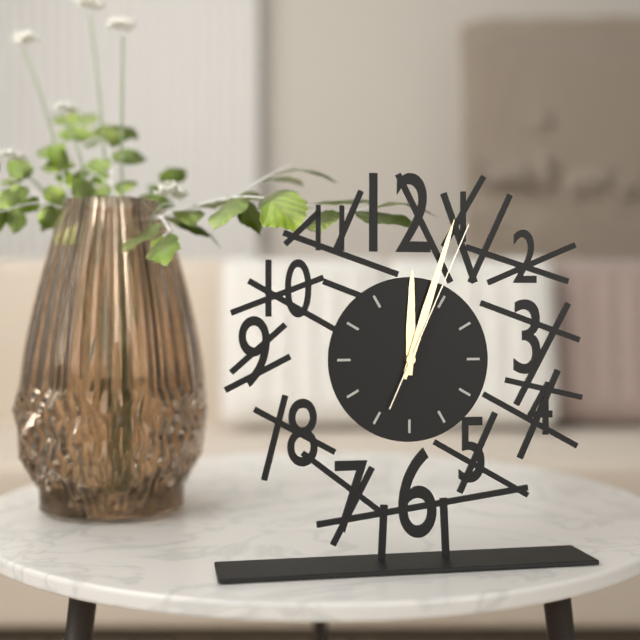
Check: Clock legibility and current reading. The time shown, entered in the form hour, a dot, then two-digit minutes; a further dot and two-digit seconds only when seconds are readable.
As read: 12.03.04
